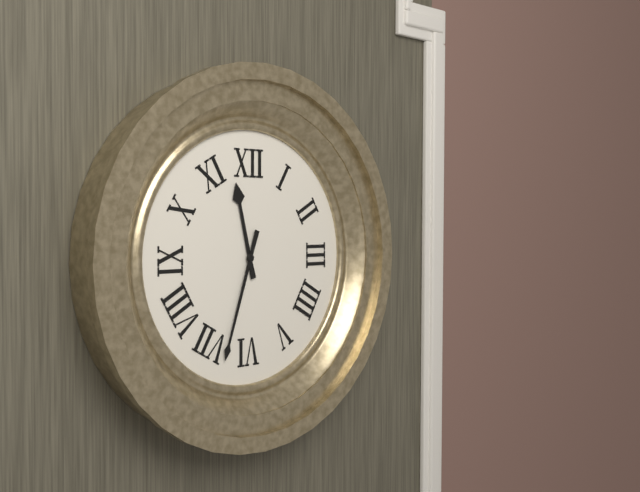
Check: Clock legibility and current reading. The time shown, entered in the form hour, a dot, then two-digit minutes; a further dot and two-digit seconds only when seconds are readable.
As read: 11.33
